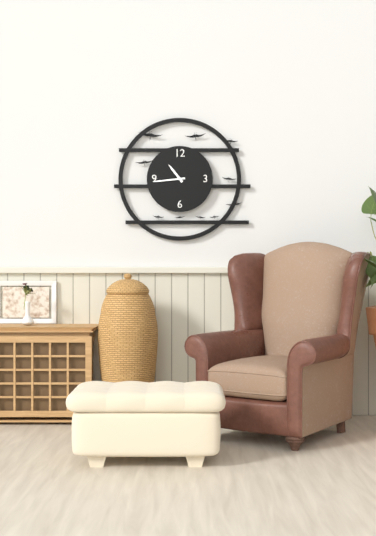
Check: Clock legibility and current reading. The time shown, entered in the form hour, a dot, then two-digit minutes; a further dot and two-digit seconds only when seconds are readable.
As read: 10.44
